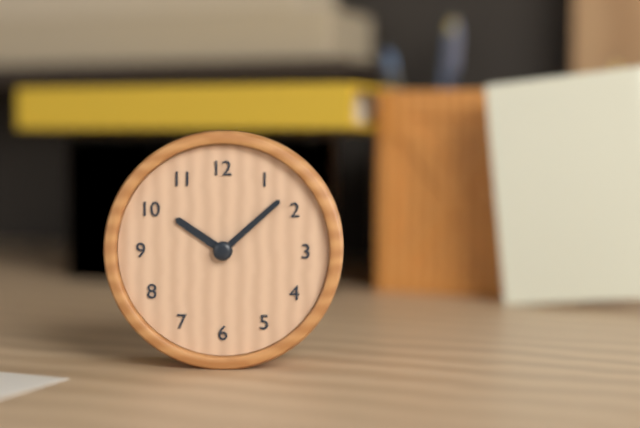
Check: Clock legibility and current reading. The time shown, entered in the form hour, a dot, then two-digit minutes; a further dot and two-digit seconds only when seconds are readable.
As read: 10.08
